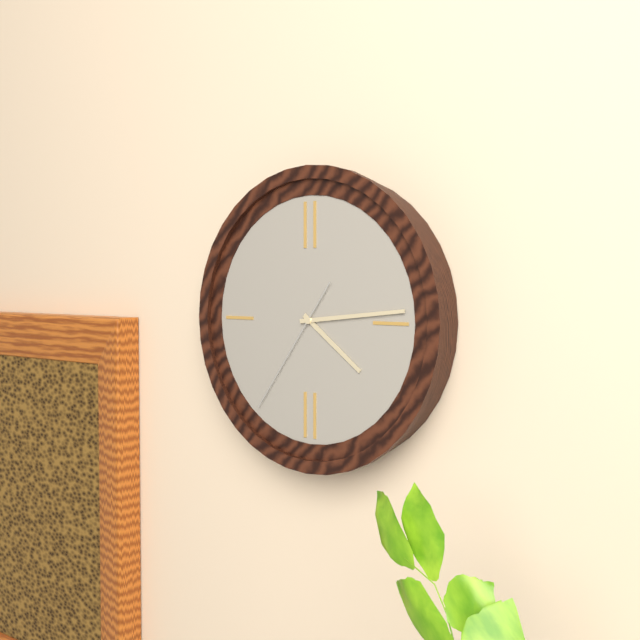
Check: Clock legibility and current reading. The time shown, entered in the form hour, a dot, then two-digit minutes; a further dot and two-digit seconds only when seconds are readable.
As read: 4.14.36
